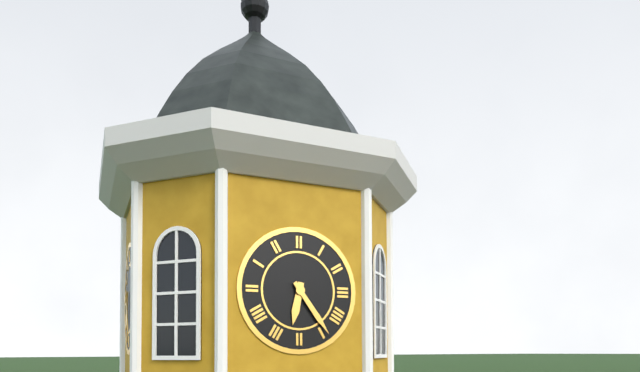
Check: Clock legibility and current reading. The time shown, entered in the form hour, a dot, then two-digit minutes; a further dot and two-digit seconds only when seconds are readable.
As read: 6.24
